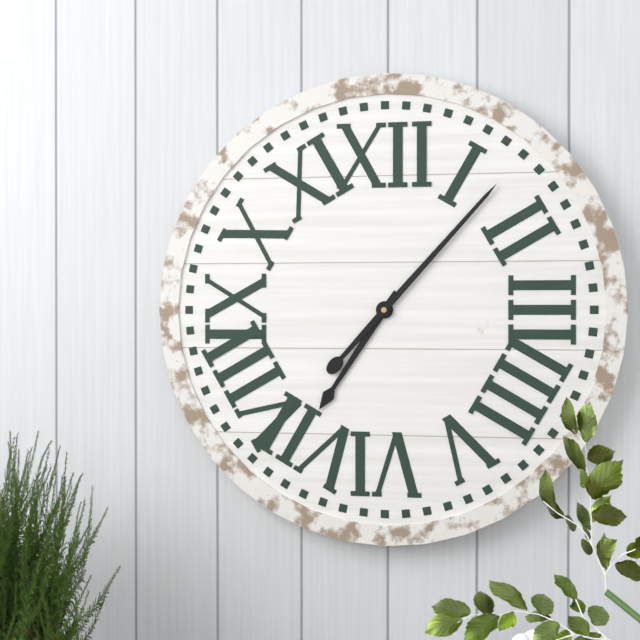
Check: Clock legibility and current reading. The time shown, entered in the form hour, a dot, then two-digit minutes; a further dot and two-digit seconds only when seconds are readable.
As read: 7.07
